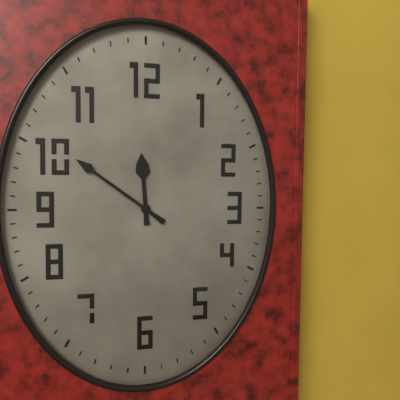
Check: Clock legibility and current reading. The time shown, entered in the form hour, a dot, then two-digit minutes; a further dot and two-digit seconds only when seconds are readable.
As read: 11.51
